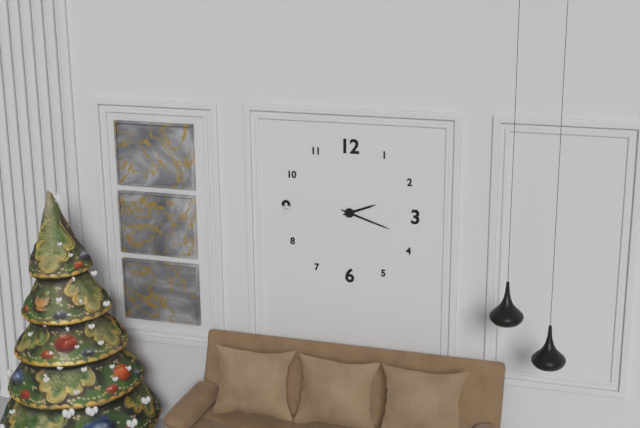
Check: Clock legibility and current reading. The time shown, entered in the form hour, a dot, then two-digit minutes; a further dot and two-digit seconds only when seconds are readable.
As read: 2.18
